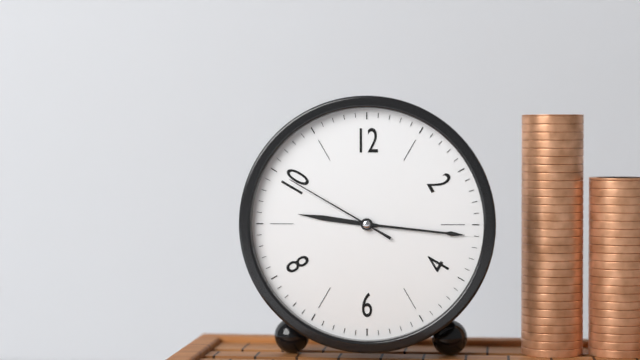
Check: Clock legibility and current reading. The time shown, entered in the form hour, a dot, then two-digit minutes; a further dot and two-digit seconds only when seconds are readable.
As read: 9.16.50
